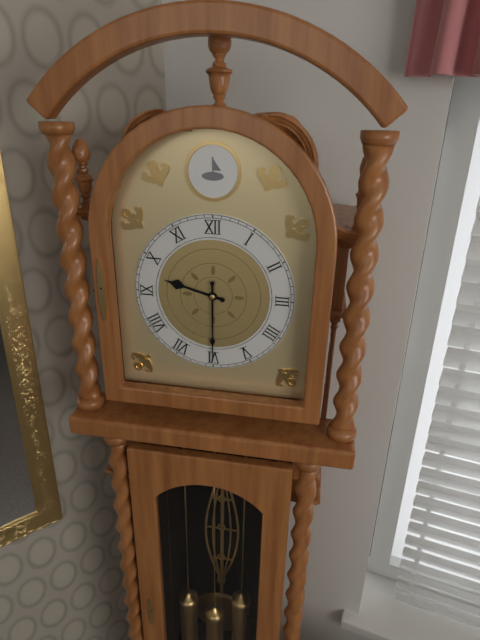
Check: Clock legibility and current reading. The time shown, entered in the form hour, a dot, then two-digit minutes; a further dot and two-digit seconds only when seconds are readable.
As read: 9.30
